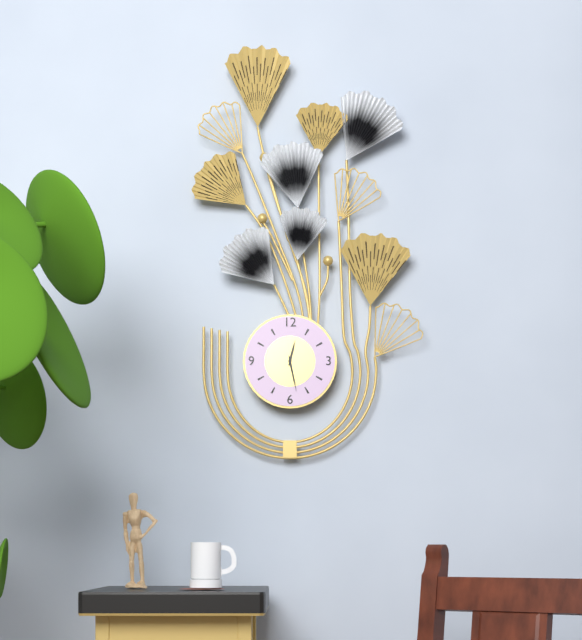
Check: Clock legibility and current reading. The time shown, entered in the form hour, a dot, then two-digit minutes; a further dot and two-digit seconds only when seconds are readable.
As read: 12.28
